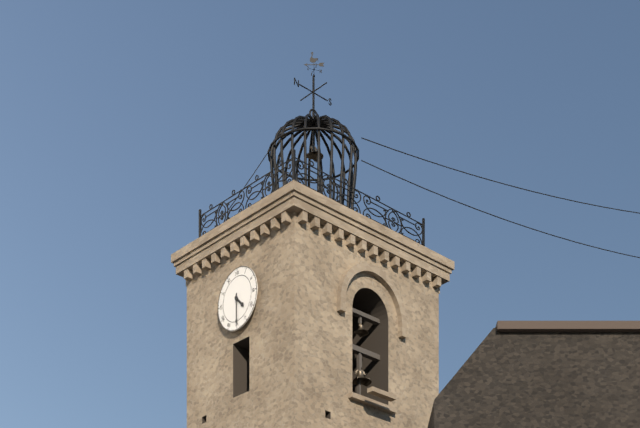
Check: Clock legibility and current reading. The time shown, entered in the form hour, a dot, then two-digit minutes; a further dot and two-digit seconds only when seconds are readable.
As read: 4.30
